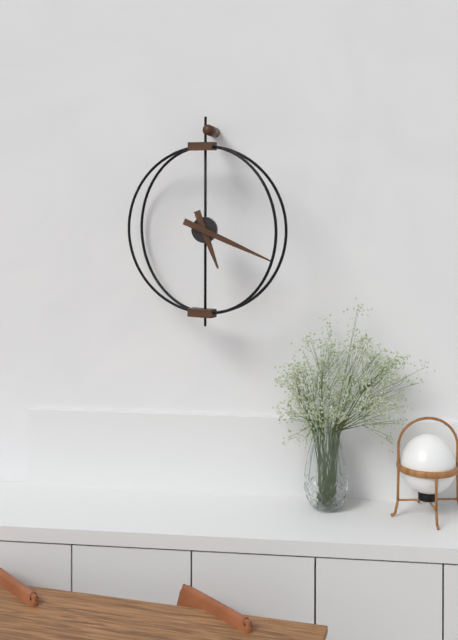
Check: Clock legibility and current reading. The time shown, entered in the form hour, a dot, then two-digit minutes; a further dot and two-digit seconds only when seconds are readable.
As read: 5.19
